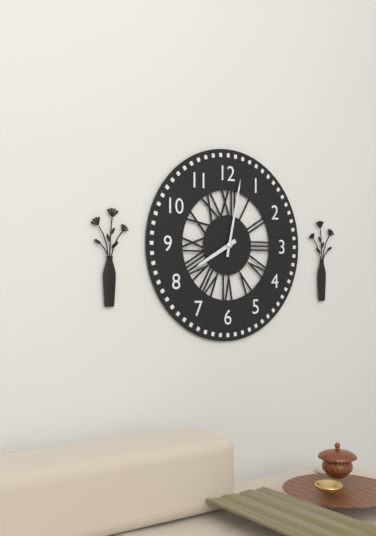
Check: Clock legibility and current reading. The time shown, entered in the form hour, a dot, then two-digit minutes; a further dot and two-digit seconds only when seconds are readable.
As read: 8.02
